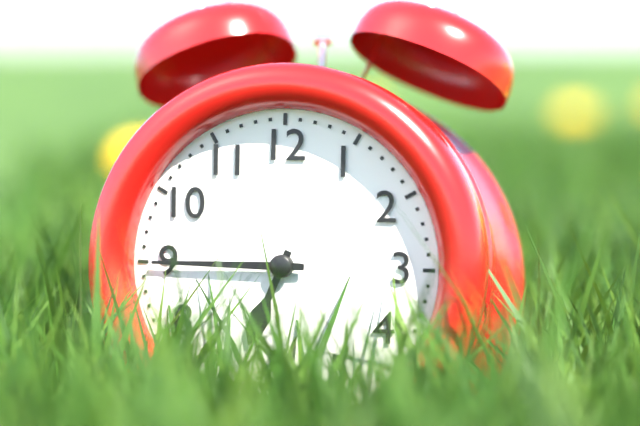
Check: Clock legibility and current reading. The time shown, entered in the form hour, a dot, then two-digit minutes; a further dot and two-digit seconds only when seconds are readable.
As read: 6.45
